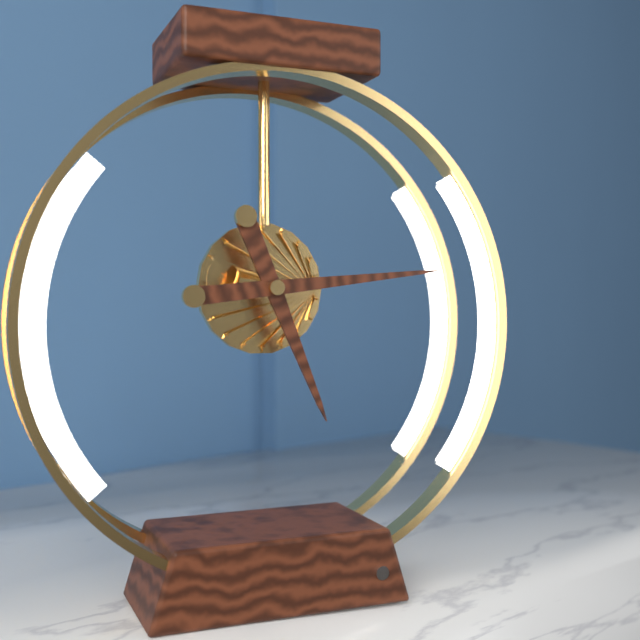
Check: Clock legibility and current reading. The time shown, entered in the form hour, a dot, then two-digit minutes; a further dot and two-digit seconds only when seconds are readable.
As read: 5.14
